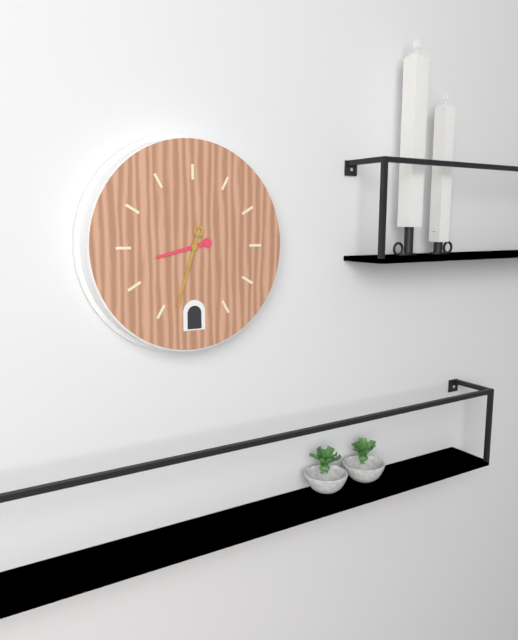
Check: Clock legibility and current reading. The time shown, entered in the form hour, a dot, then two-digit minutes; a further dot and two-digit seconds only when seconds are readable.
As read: 8.33
